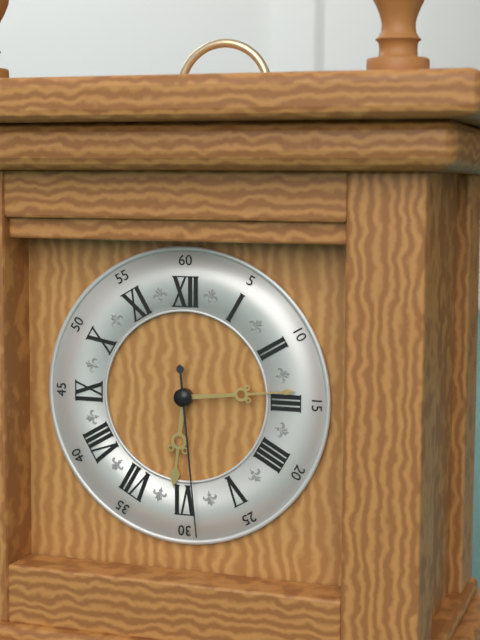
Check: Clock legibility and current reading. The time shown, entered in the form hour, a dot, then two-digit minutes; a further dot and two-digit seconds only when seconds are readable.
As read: 6.14.29
